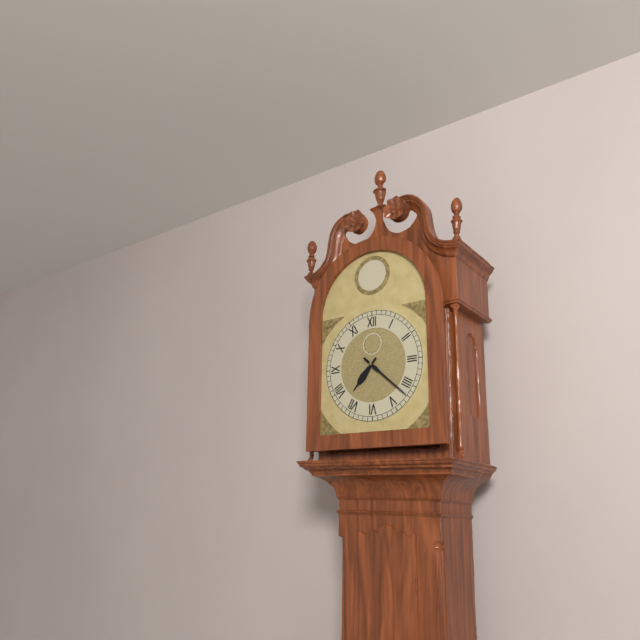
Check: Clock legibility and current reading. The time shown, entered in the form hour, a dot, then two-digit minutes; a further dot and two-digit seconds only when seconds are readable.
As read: 7.22
